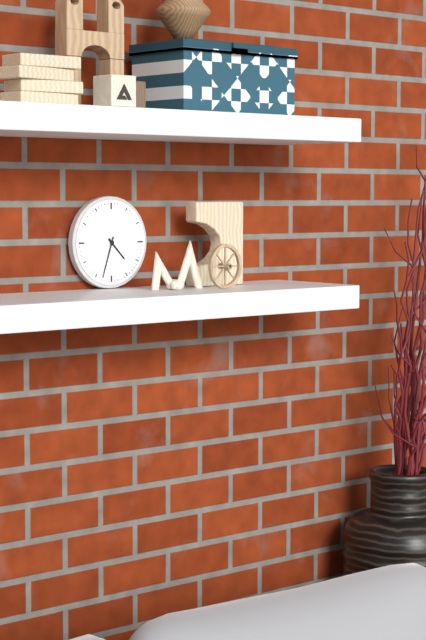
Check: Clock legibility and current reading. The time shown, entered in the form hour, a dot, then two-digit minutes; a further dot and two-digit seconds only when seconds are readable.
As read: 4.33
